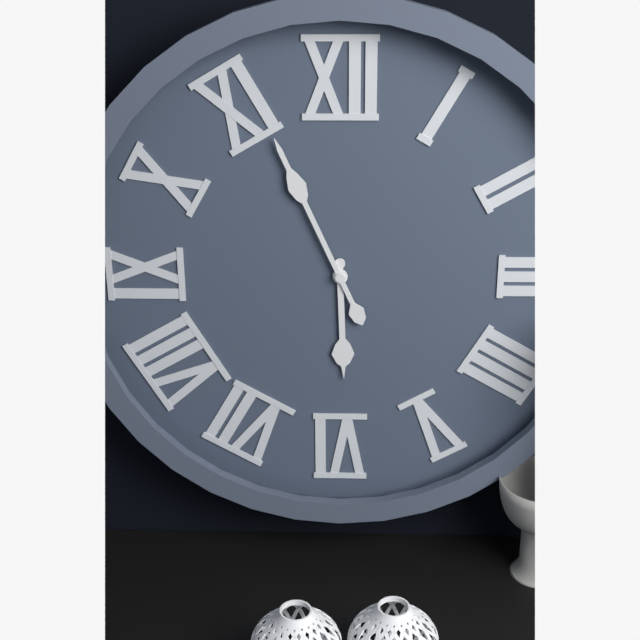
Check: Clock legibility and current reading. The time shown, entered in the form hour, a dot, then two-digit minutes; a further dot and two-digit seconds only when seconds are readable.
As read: 5.56
